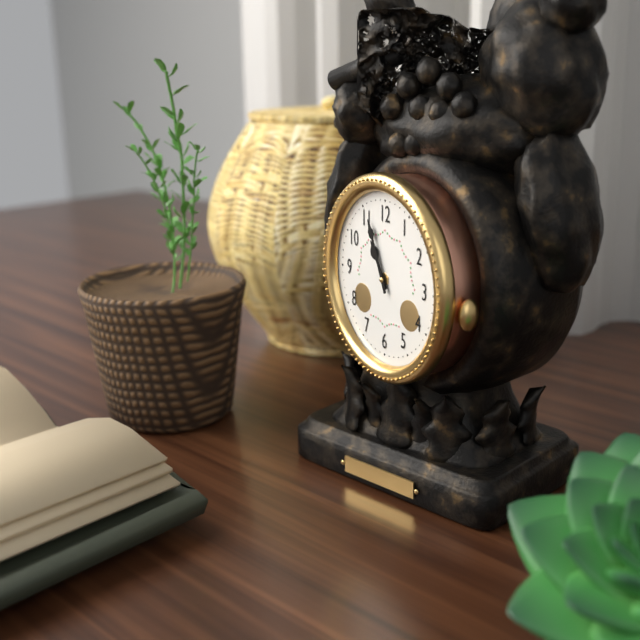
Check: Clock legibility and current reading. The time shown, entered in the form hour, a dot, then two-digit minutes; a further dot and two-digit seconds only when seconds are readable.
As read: 10.56
